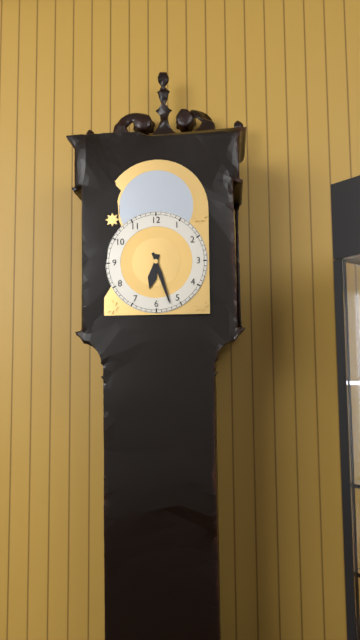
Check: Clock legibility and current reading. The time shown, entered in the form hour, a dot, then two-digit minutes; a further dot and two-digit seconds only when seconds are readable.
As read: 6.27
